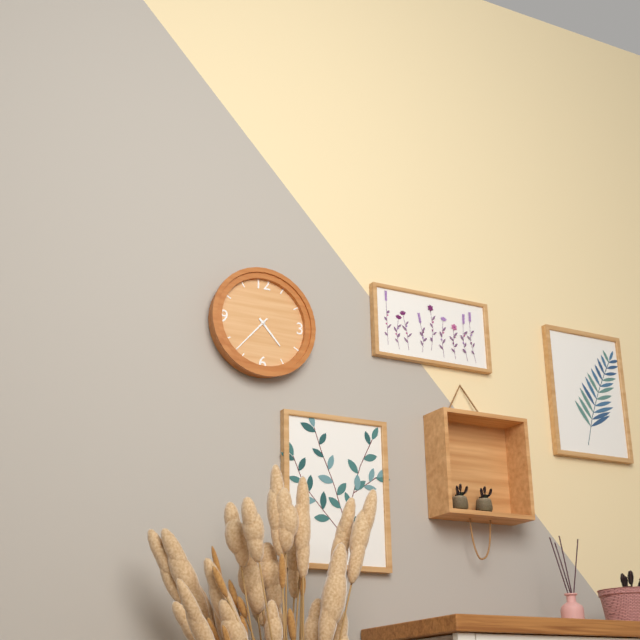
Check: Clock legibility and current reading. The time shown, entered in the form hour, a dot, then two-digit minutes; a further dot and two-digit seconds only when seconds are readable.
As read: 4.37
